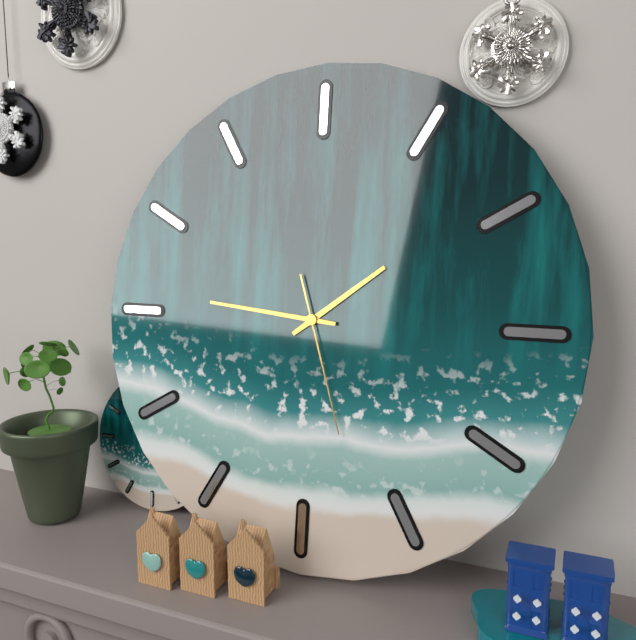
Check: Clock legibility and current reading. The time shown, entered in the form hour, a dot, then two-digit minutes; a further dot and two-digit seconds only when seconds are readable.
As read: 1.46.27
